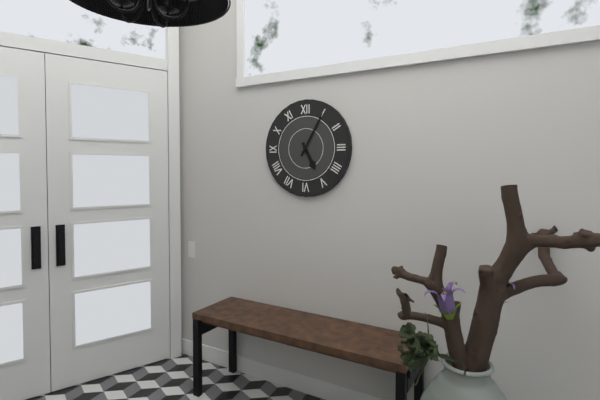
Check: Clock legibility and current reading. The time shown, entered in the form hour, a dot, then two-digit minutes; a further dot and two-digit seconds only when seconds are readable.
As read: 5.05
